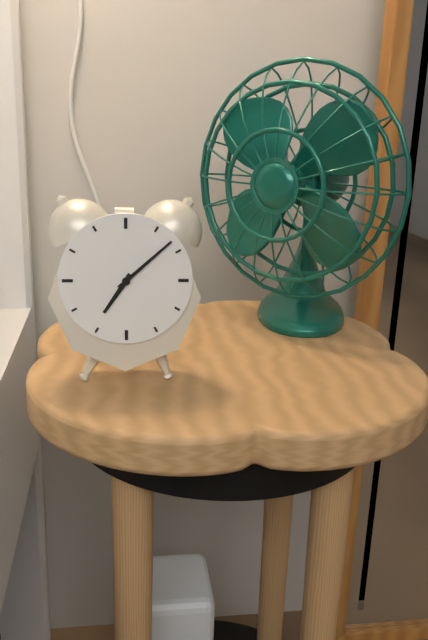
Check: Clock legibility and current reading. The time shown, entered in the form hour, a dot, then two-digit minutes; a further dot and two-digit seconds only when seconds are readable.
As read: 7.08
